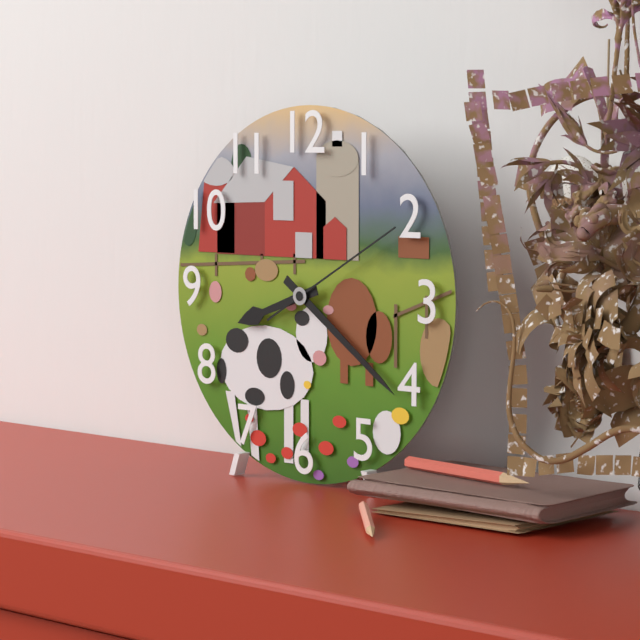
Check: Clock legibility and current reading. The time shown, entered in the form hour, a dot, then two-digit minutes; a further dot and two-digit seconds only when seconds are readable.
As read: 8.21.10
